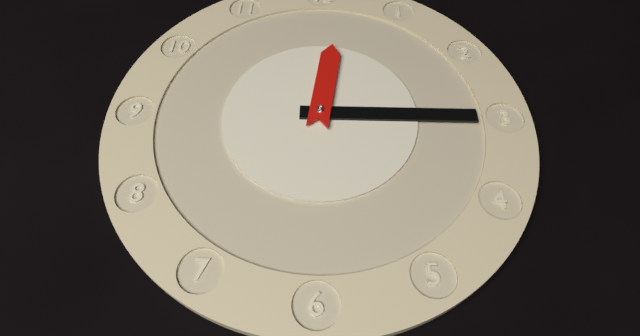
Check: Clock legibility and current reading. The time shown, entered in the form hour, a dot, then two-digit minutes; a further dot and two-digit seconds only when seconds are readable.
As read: 12.15
